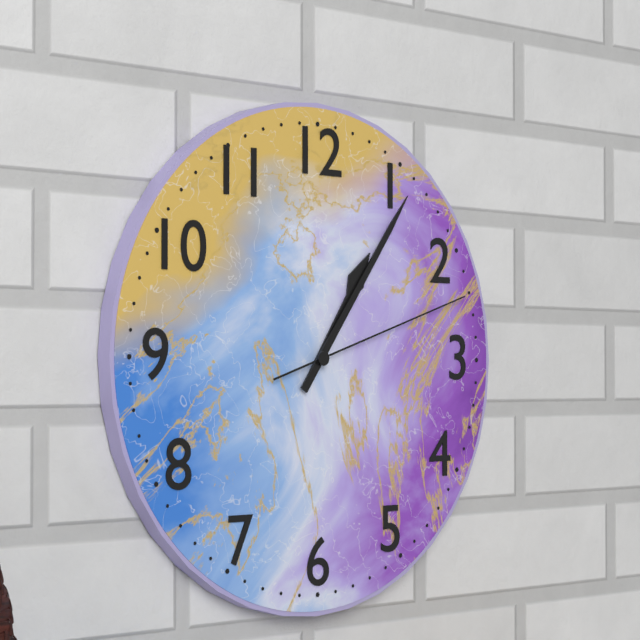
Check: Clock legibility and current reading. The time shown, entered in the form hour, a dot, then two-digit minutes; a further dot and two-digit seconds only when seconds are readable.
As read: 1.06.12
